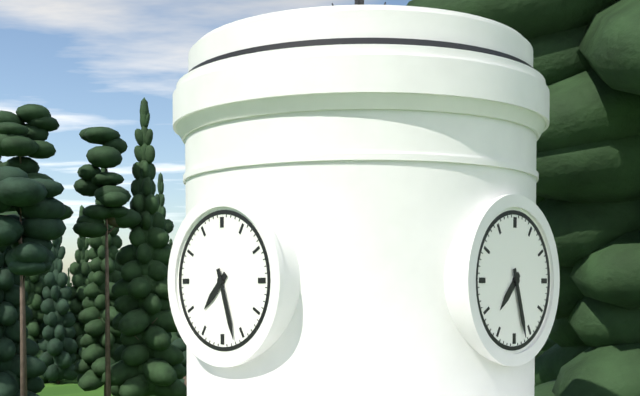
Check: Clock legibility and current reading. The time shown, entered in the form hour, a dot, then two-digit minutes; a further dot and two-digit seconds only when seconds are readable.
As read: 7.27
